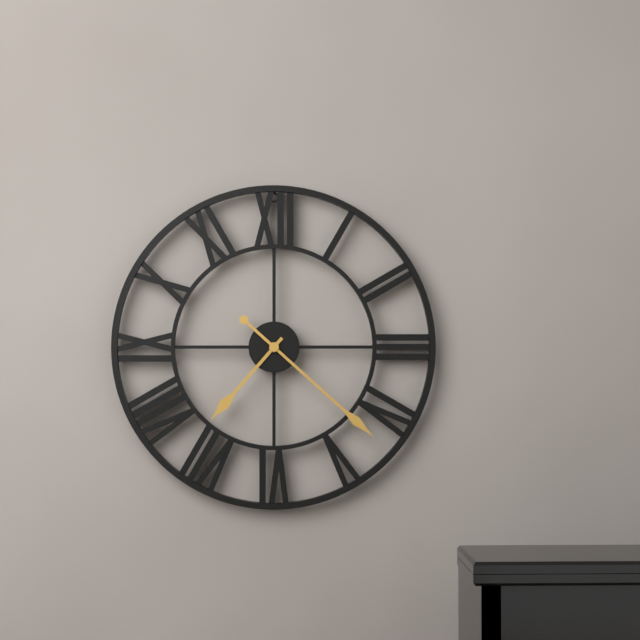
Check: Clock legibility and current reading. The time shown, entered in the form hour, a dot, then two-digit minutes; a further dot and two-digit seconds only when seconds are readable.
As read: 7.22
